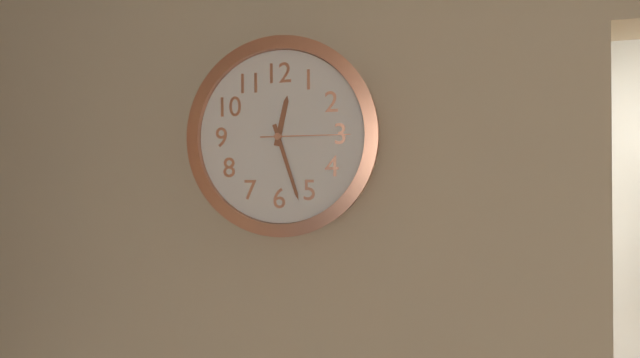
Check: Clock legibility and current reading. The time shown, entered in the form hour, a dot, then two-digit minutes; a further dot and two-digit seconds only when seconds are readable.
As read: 12.27.15
